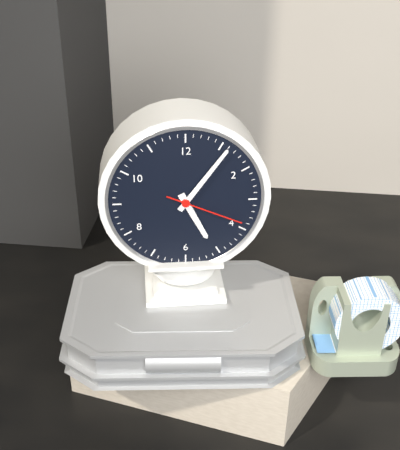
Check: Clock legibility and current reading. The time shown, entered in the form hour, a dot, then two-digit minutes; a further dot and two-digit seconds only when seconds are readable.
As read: 5.06.19
